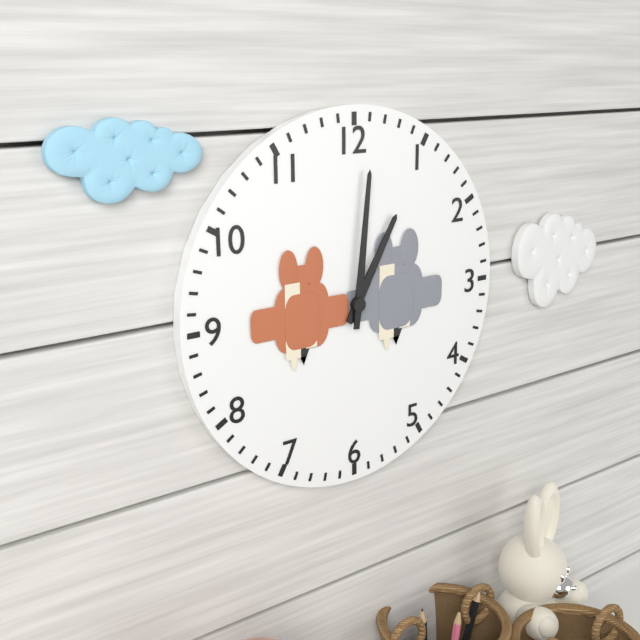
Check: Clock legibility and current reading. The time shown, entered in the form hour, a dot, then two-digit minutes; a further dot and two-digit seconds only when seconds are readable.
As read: 1.01
